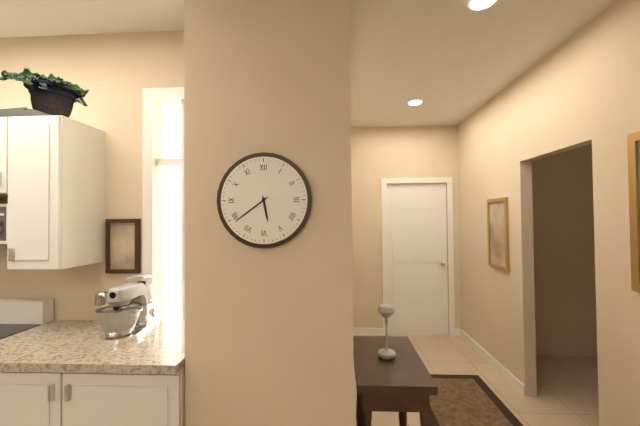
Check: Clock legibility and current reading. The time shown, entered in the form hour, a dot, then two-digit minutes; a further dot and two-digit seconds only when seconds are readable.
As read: 5.39
